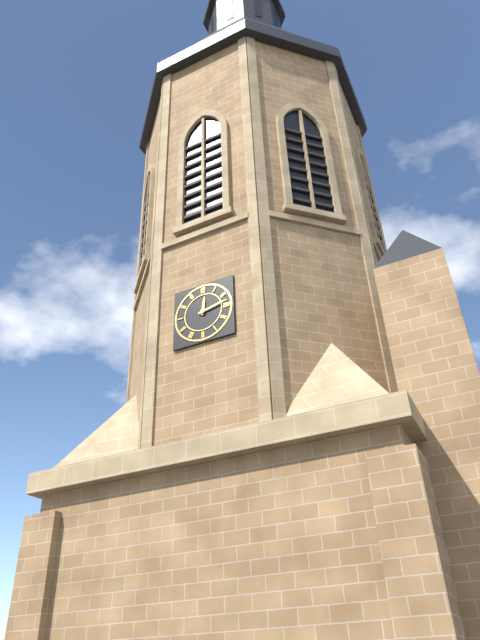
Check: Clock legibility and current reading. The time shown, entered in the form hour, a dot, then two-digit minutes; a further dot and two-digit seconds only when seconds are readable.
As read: 12.13
